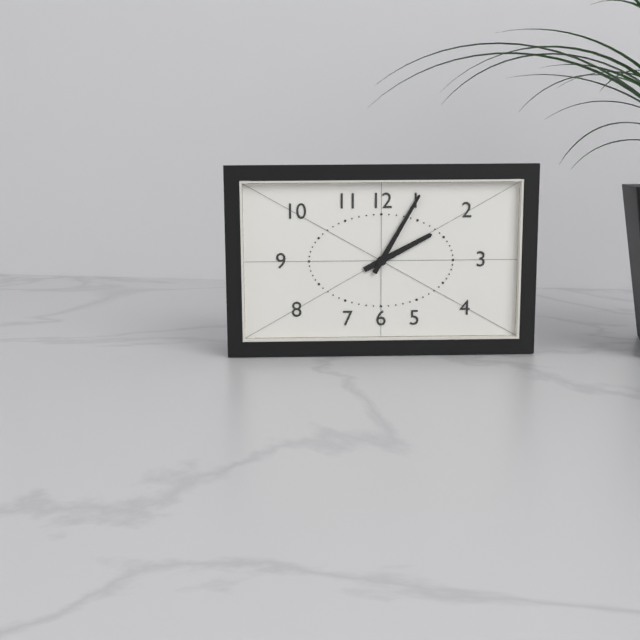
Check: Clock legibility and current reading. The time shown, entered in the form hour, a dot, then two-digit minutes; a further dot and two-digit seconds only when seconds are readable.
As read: 2.05
